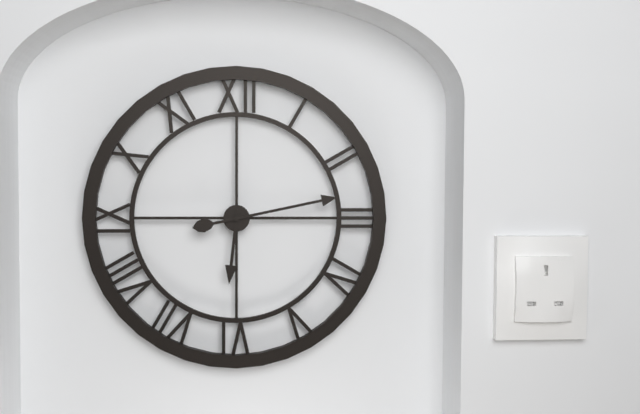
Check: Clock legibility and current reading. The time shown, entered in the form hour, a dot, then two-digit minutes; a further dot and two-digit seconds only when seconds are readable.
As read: 6.13
